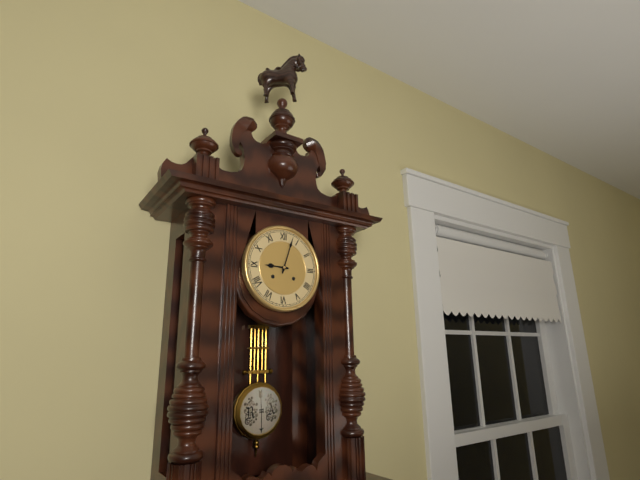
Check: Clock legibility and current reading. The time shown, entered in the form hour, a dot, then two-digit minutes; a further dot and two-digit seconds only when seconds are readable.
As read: 9.03
